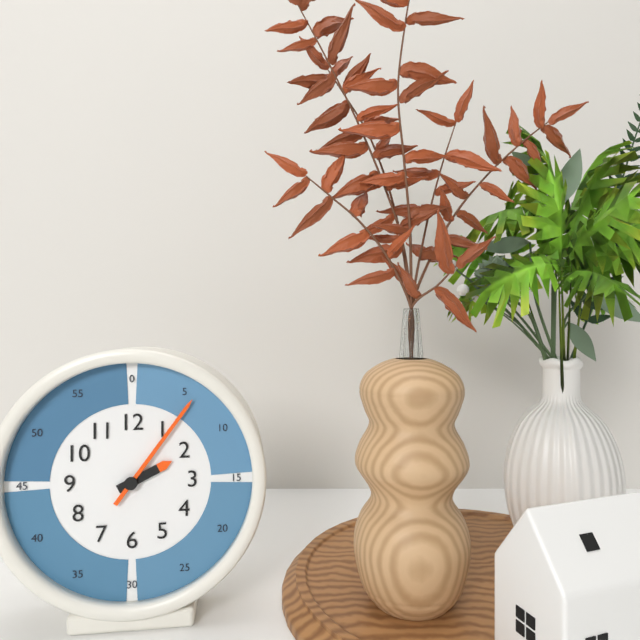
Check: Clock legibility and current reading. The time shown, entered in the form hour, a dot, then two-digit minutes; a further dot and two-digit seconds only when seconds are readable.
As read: 2.06
